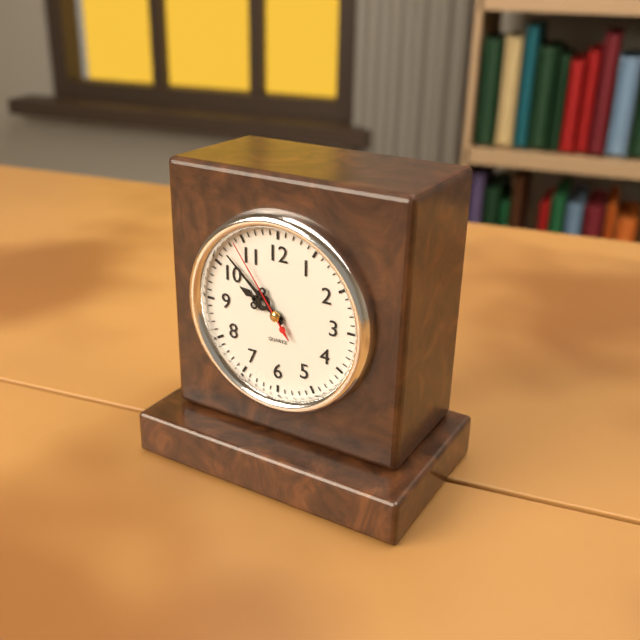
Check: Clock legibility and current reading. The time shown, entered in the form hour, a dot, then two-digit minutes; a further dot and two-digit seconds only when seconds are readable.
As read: 9.52.54
